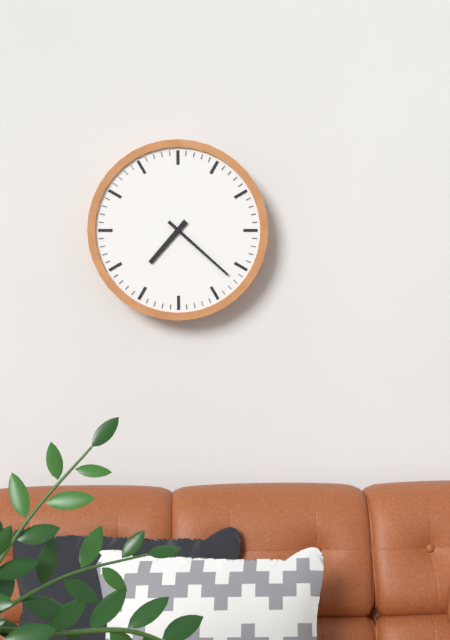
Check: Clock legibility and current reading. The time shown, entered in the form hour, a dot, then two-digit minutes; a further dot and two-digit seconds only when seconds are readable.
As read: 7.22
